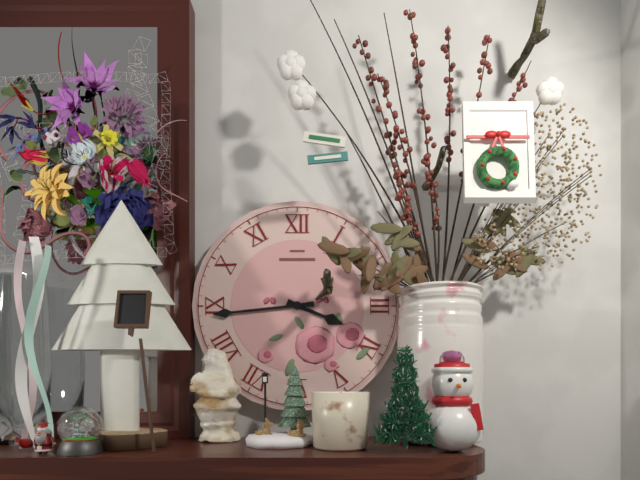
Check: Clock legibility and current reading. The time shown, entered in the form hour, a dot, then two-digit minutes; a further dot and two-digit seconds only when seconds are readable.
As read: 3.44
